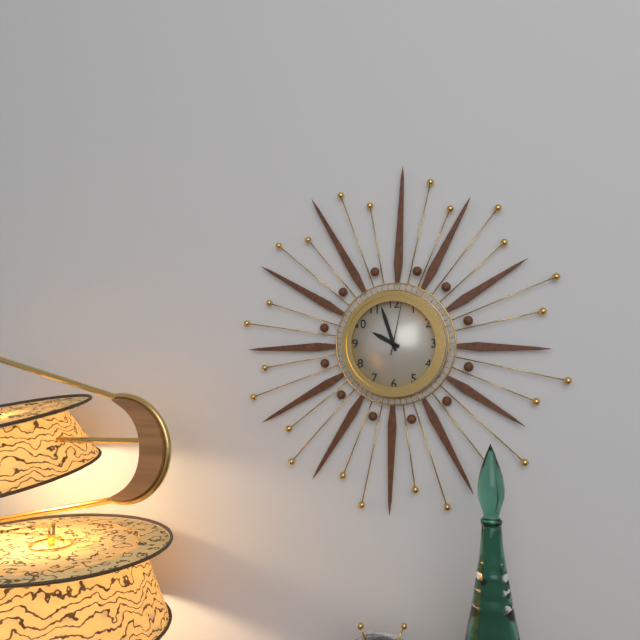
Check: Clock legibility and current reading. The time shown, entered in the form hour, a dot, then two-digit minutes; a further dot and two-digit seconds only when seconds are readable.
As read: 9.57.02
